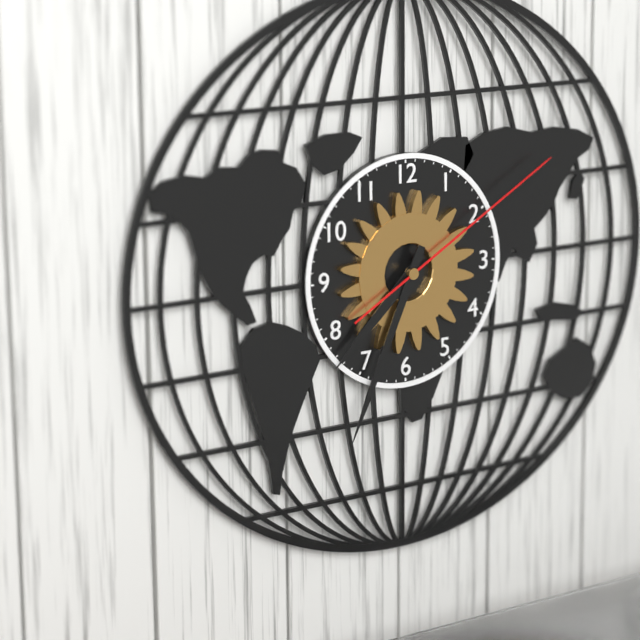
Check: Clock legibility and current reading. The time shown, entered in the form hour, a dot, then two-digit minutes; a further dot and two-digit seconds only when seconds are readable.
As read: 7.34.10
